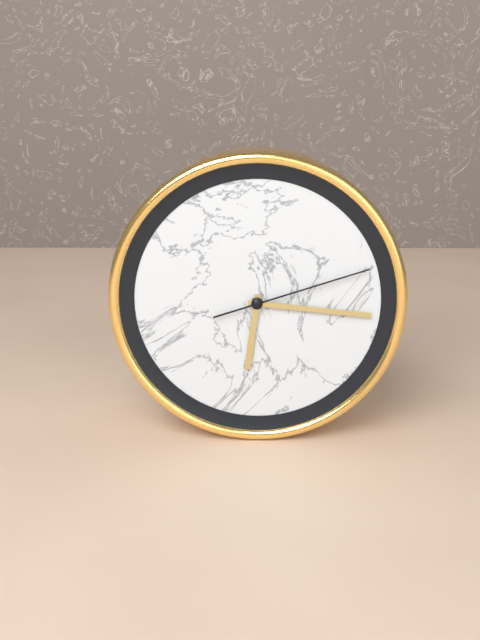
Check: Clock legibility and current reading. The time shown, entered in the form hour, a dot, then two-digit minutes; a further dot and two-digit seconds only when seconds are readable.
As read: 6.16.12
